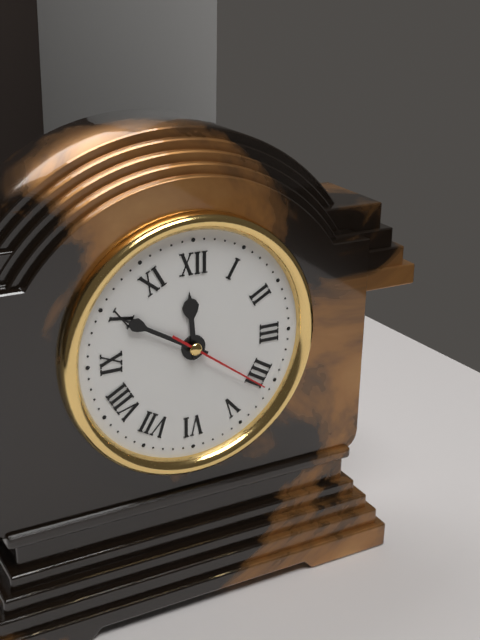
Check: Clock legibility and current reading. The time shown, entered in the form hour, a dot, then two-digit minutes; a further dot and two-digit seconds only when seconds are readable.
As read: 11.50.21
